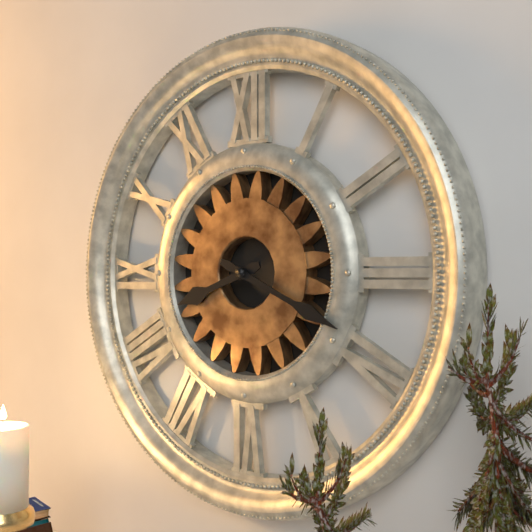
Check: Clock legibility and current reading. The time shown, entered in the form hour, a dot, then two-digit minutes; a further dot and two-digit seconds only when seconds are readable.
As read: 8.19
